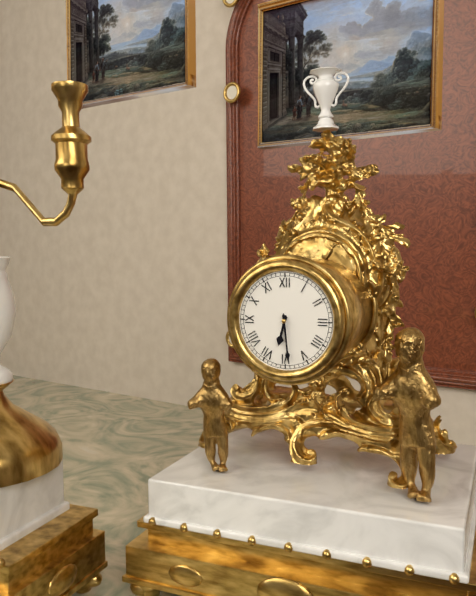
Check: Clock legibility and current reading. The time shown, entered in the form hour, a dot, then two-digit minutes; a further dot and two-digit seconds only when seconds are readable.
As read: 6.29
